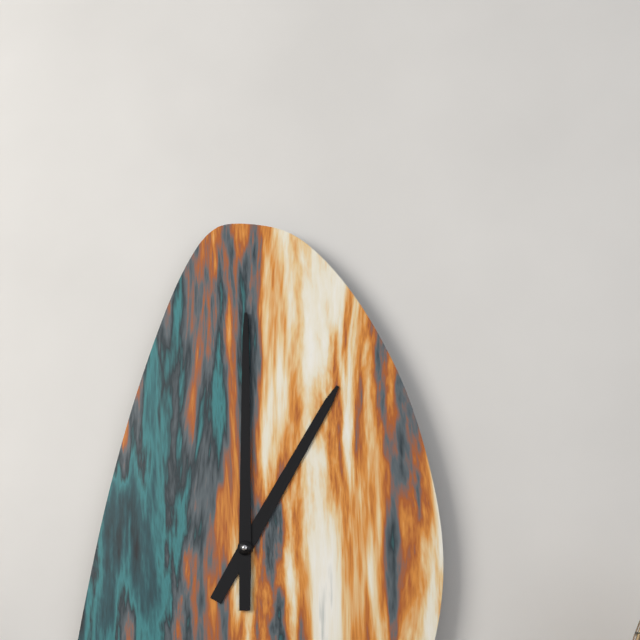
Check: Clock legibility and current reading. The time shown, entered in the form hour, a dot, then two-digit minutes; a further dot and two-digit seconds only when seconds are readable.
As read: 1.00
